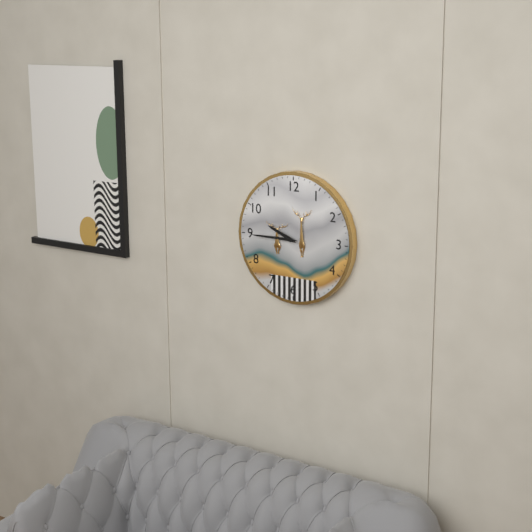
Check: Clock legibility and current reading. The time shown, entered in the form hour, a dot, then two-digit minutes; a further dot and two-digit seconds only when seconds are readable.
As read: 9.45
